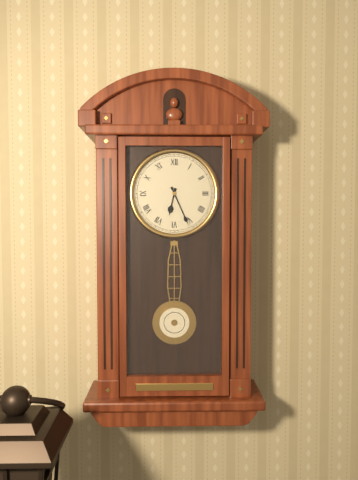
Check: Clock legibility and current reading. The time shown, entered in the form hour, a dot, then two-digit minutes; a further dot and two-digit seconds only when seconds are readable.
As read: 6.26
